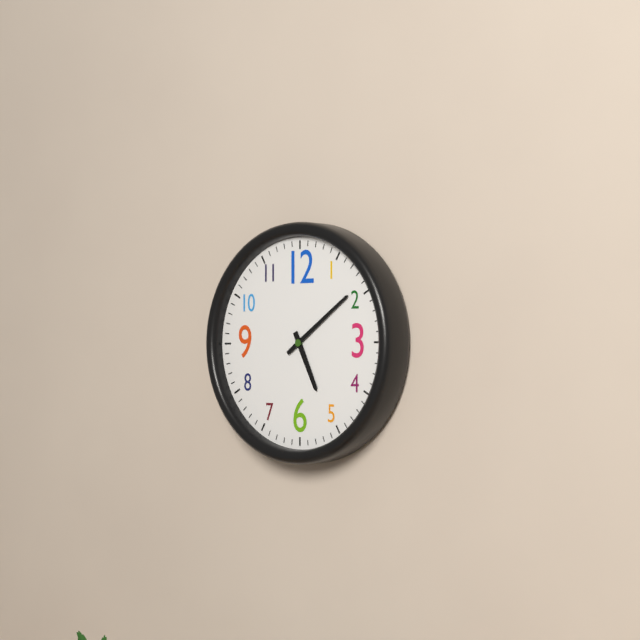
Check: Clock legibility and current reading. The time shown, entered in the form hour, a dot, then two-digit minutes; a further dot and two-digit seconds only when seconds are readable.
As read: 5.09
